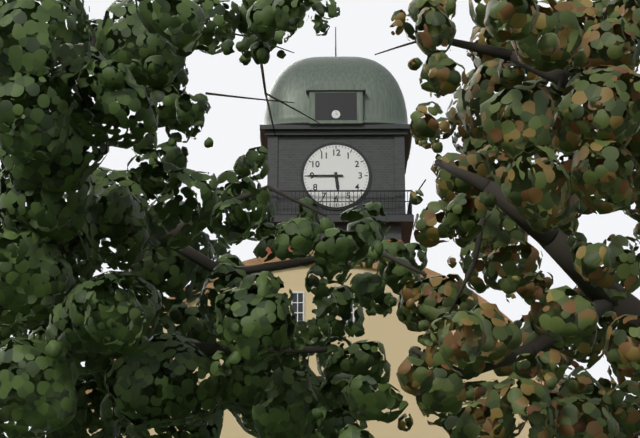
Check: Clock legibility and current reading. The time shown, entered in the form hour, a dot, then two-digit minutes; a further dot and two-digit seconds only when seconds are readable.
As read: 5.45
